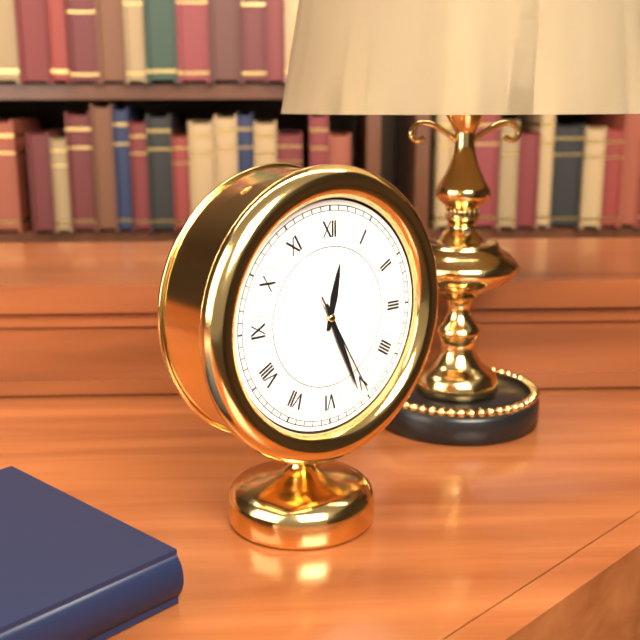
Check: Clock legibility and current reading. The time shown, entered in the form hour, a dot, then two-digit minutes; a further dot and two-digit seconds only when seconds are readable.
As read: 12.26.25
